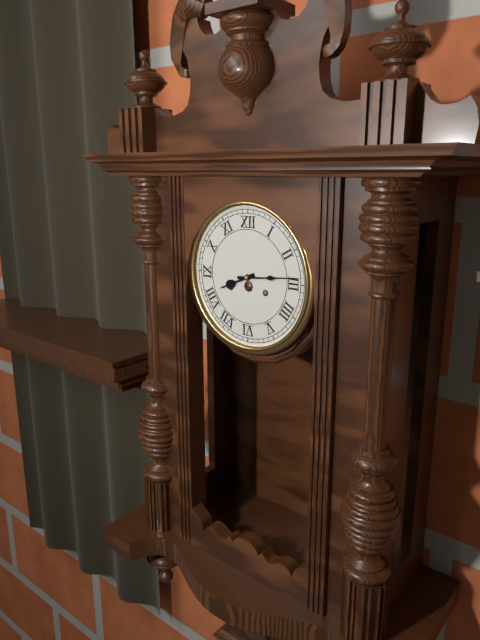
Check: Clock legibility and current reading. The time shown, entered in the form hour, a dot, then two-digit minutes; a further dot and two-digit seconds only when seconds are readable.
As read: 8.14
